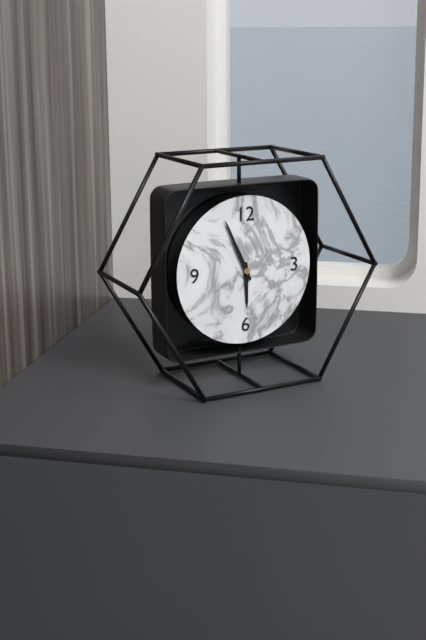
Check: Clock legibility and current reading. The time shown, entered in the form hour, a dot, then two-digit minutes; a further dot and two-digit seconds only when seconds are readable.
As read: 5.56
